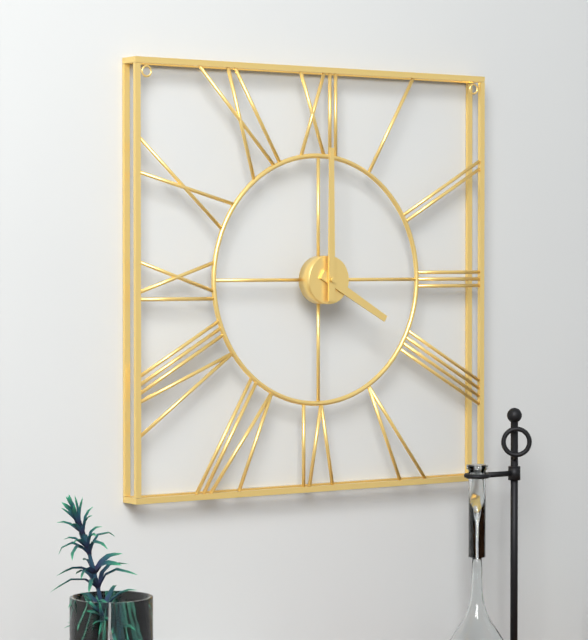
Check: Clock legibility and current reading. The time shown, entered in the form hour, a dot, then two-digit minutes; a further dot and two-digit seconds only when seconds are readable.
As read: 4.00
